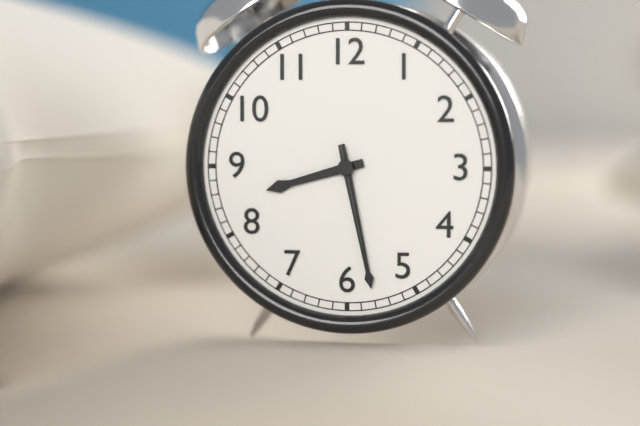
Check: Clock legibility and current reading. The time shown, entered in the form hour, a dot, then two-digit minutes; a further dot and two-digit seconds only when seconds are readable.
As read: 8.28.28
